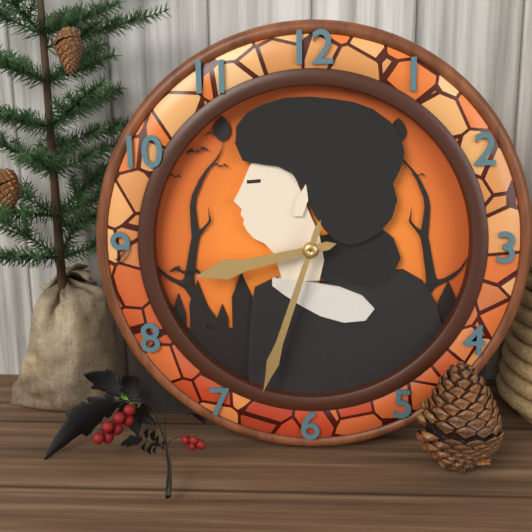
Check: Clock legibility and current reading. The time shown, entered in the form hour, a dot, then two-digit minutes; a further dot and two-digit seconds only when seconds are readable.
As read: 8.33
